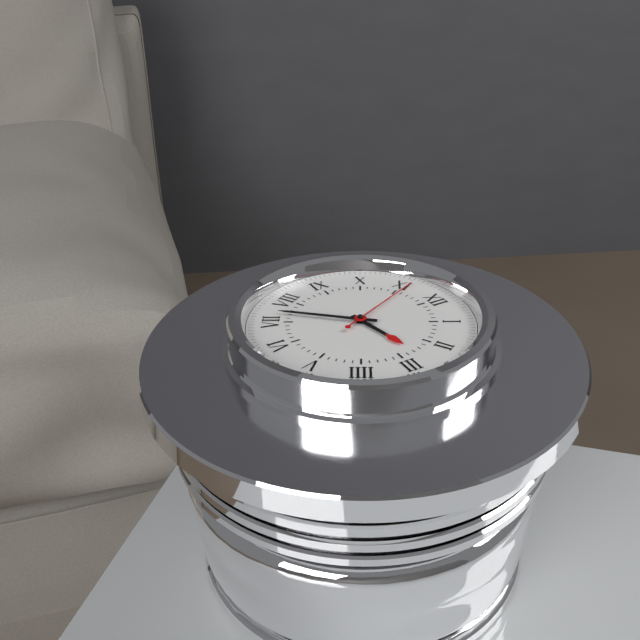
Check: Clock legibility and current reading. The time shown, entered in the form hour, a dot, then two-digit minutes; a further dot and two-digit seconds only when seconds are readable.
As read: 2.37.56
